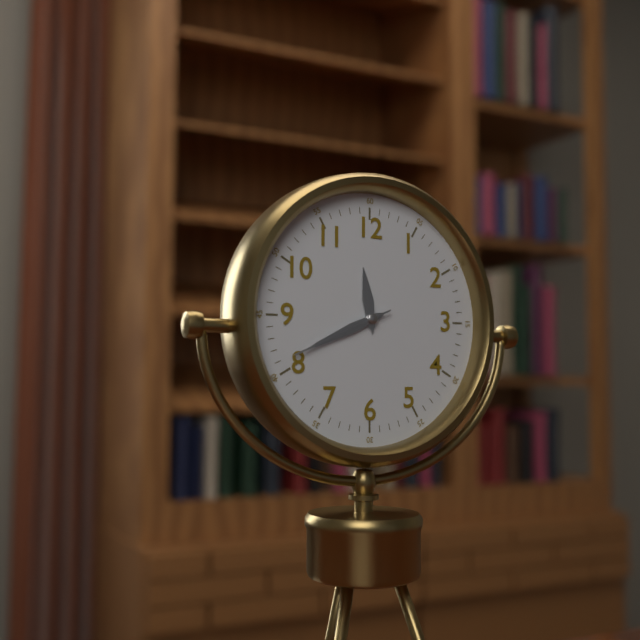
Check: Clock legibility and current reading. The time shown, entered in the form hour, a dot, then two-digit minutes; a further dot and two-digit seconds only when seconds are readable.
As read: 11.41.41
